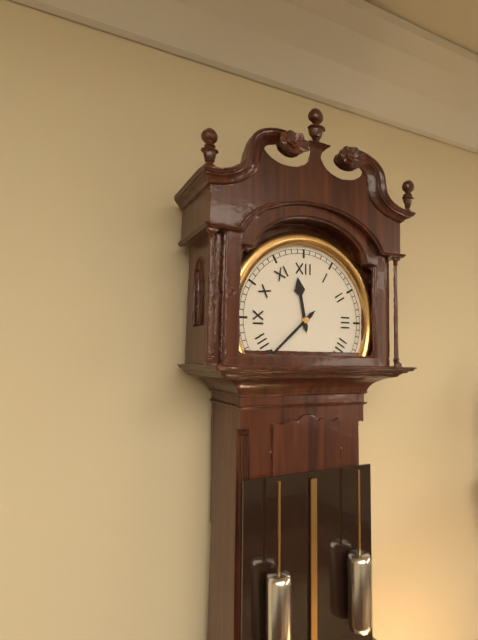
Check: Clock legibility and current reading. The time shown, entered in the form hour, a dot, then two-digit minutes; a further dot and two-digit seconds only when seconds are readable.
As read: 11.38
